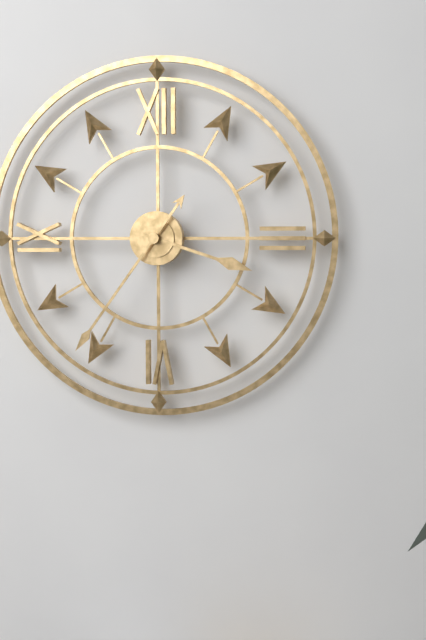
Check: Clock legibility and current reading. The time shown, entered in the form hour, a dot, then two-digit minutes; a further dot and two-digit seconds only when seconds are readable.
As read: 3.36
